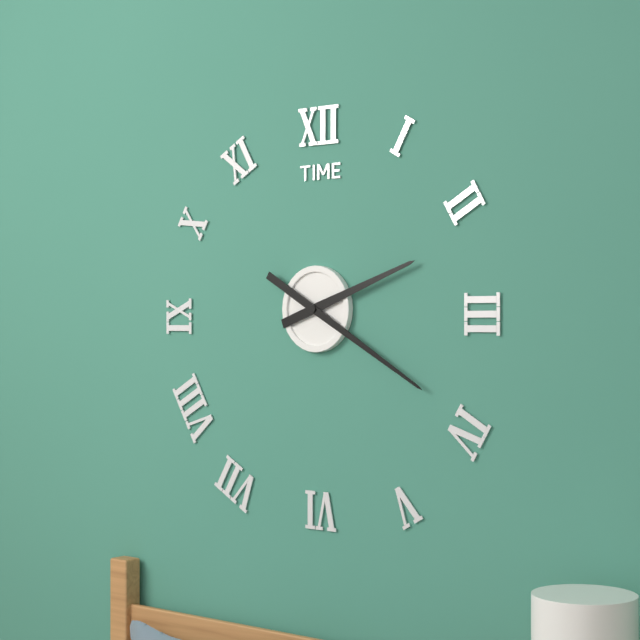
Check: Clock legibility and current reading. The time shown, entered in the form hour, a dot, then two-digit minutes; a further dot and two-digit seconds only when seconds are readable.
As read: 2.20
